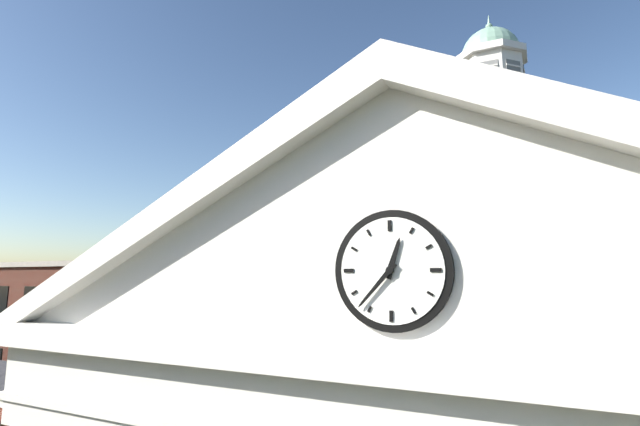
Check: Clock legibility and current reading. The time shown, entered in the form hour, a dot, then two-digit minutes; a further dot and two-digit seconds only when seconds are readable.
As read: 12.37
